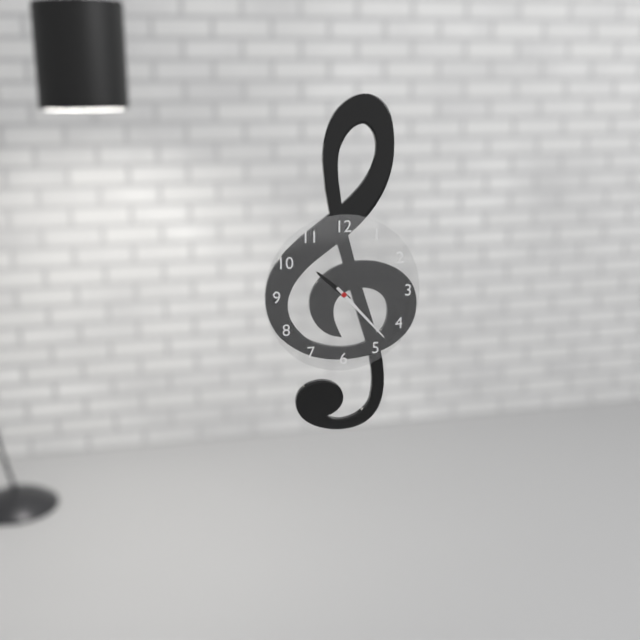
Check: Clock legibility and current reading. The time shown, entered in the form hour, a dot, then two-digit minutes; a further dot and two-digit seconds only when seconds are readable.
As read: 10.23
